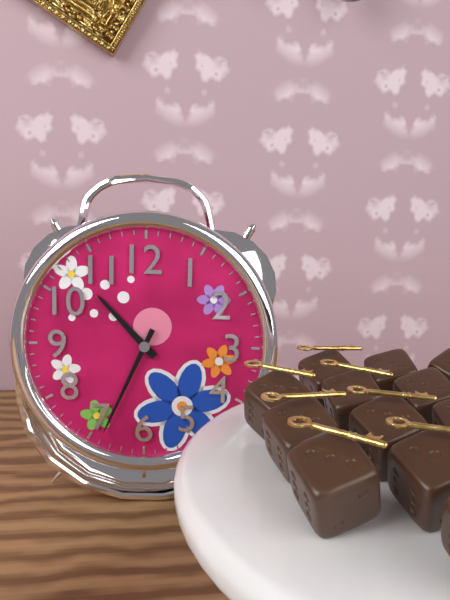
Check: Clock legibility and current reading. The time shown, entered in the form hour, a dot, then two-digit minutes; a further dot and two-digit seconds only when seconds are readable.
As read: 10.34
